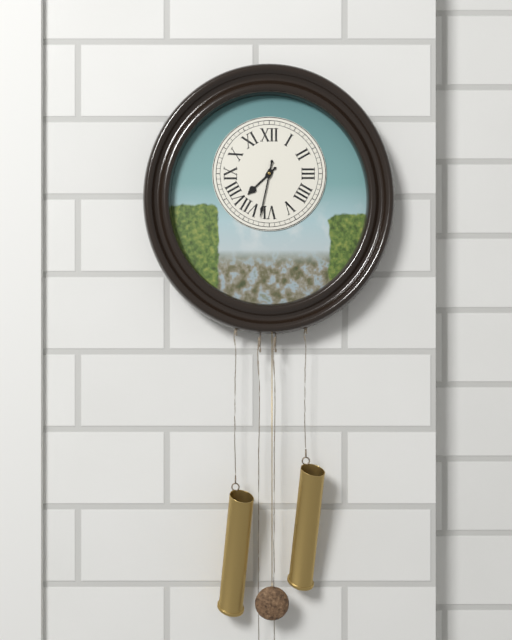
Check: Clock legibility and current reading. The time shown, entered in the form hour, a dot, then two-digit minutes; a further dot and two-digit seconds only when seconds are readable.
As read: 7.32
